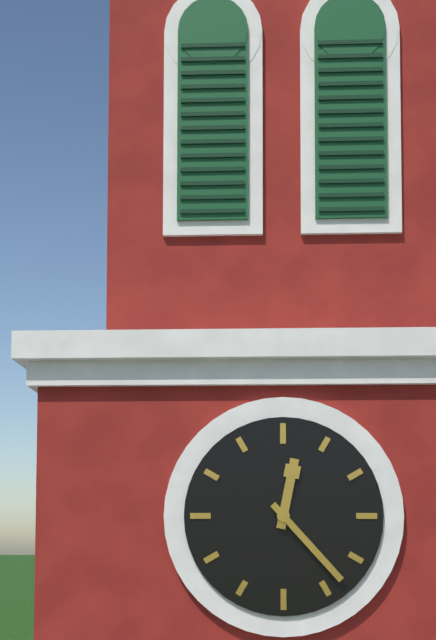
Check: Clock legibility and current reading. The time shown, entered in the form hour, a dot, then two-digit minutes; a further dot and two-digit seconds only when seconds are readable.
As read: 12.23
